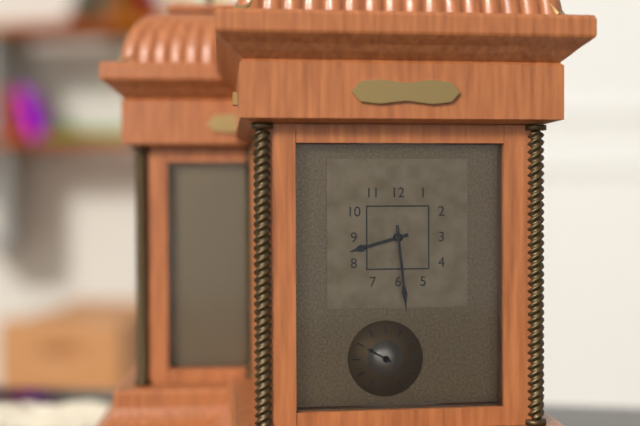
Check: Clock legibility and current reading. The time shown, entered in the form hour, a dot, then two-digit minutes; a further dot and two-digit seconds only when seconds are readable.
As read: 8.29
